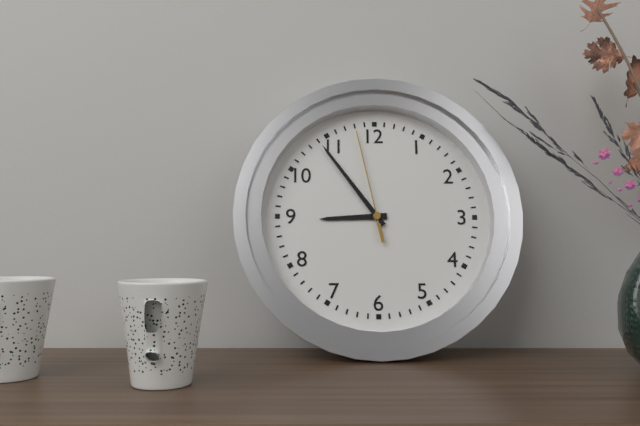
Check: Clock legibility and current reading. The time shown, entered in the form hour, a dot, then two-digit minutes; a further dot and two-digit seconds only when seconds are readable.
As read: 8.54.58
